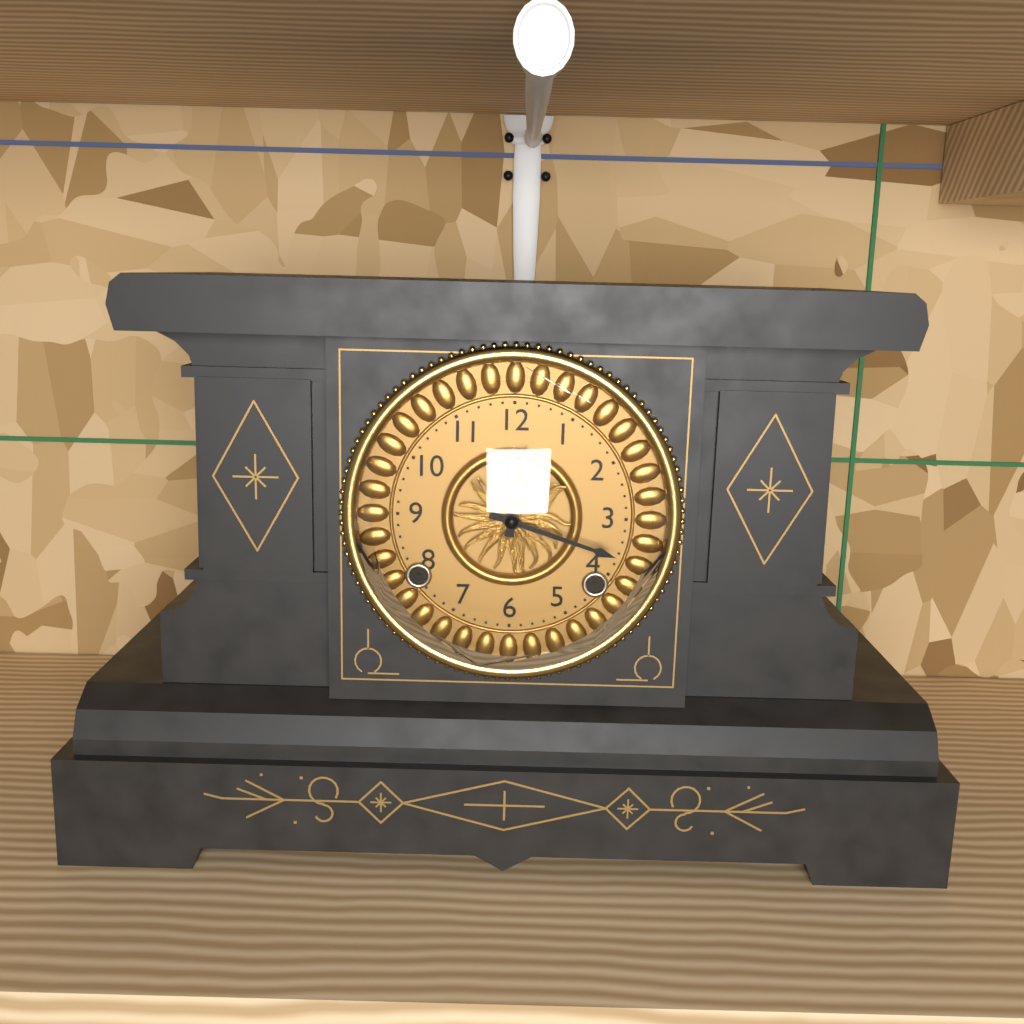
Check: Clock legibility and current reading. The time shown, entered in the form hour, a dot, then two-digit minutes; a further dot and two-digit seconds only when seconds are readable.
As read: 12.18
